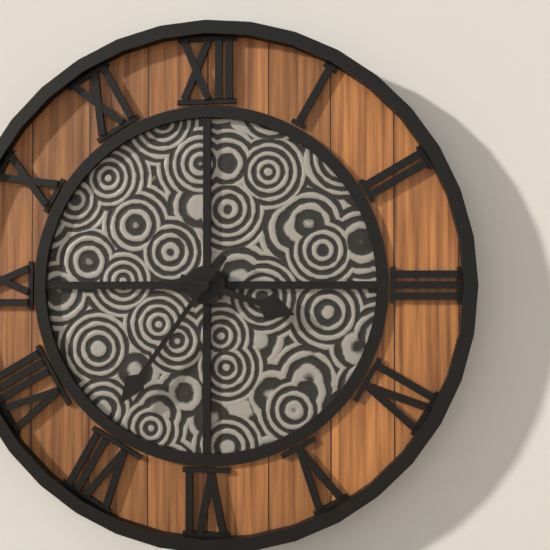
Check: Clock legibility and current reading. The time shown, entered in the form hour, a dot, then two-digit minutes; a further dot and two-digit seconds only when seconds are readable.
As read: 3.36
